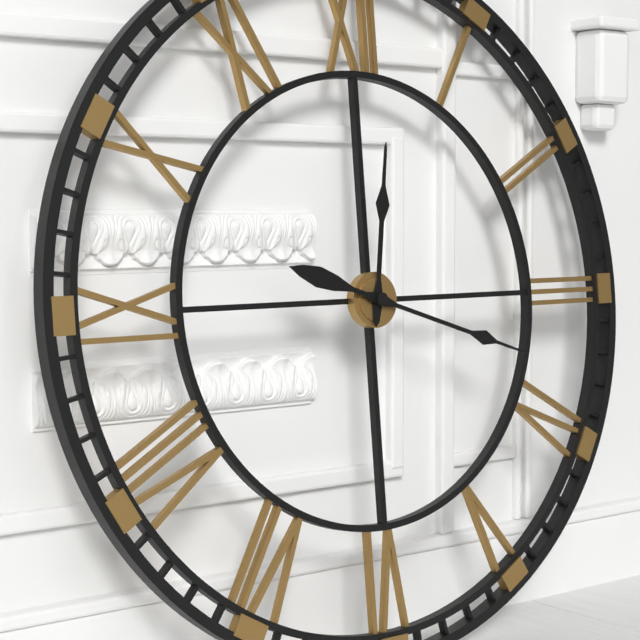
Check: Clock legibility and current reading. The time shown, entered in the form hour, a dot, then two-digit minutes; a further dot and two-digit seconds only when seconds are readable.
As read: 12.18
